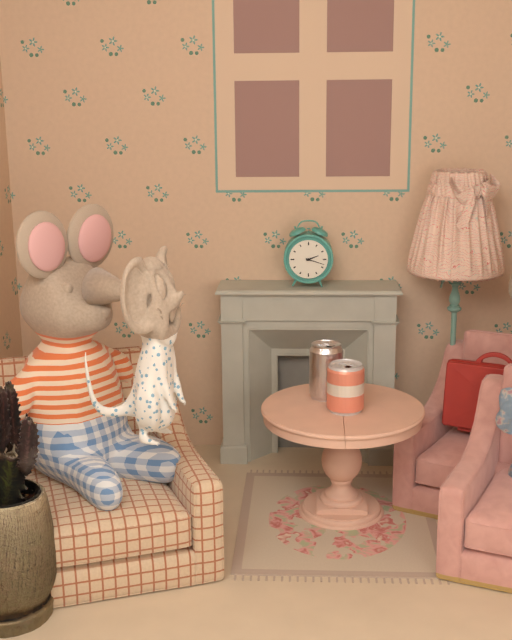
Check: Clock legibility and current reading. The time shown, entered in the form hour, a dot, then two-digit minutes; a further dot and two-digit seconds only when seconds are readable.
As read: 2.18
